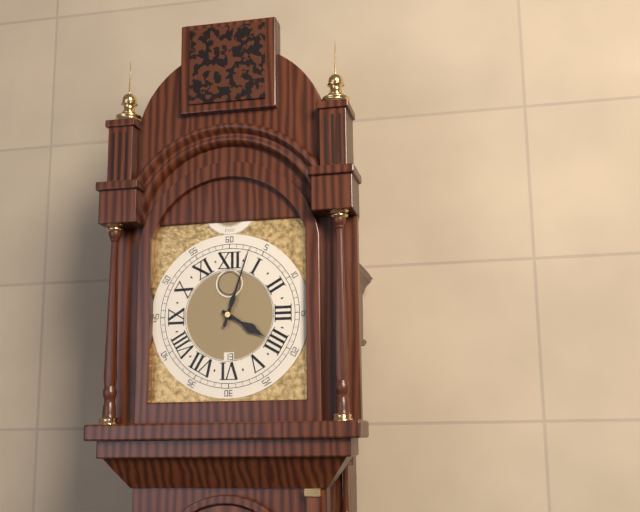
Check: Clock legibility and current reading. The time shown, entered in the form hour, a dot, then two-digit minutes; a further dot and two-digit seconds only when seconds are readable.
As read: 4.03
